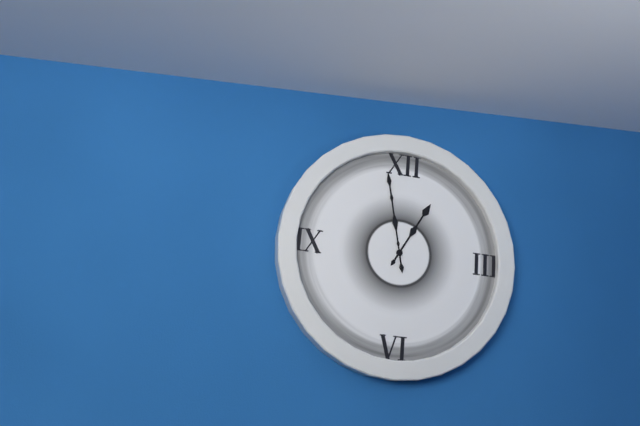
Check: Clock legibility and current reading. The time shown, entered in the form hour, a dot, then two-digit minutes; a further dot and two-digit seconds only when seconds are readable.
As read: 12.58
